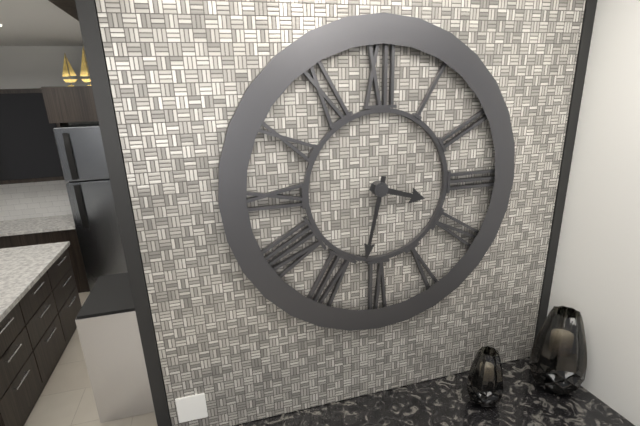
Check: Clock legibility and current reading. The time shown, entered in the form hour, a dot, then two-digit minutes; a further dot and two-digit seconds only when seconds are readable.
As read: 3.32
